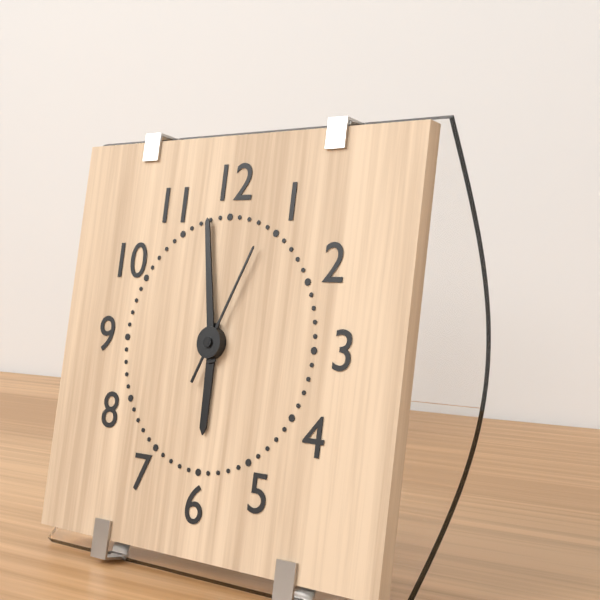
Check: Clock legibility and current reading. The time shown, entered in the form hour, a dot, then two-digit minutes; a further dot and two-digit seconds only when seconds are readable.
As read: 5.58.04
